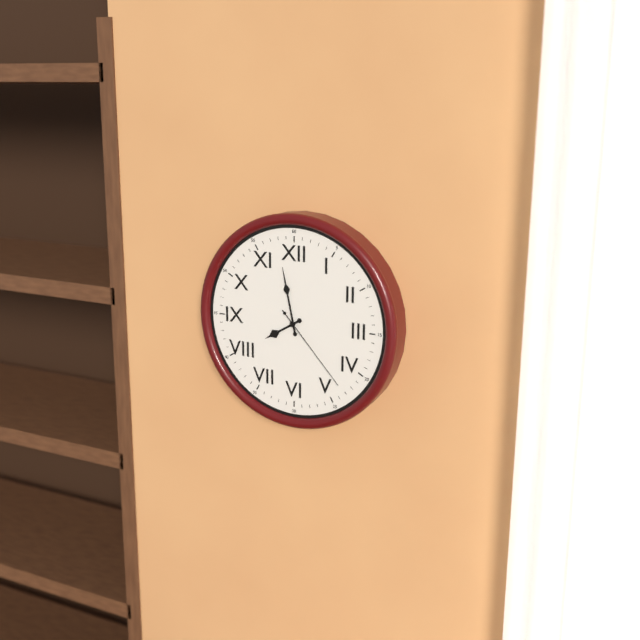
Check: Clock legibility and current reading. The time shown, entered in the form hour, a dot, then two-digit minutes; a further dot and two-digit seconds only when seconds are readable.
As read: 7.58.23
